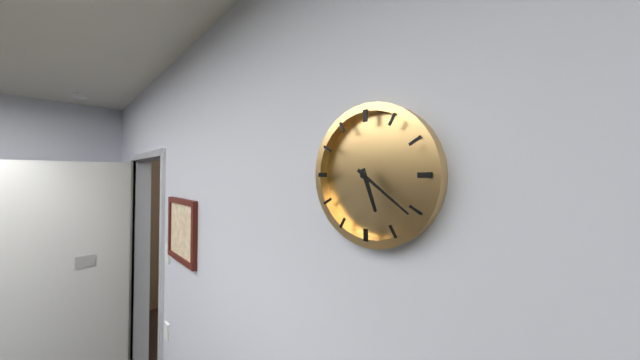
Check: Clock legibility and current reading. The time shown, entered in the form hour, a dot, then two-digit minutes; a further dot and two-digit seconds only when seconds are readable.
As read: 5.21
